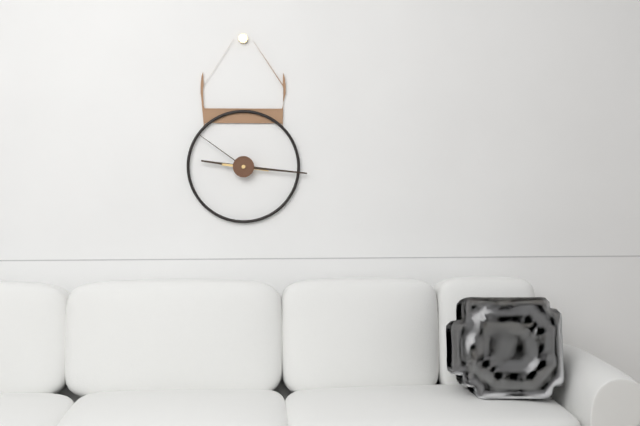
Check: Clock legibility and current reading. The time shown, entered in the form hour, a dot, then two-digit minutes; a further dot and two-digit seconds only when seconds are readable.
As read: 9.16.51
